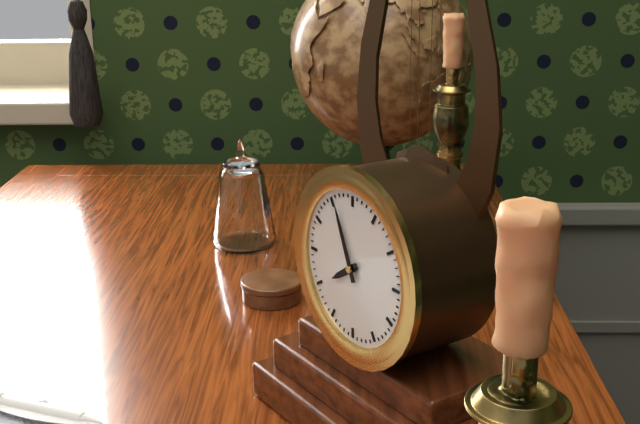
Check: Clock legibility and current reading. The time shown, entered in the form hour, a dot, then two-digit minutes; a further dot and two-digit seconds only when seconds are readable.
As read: 7.56
